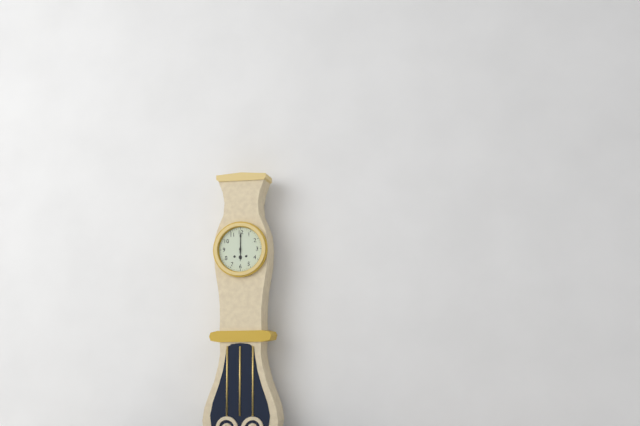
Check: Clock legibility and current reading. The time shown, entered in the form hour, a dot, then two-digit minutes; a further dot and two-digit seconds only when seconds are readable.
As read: 6.00
